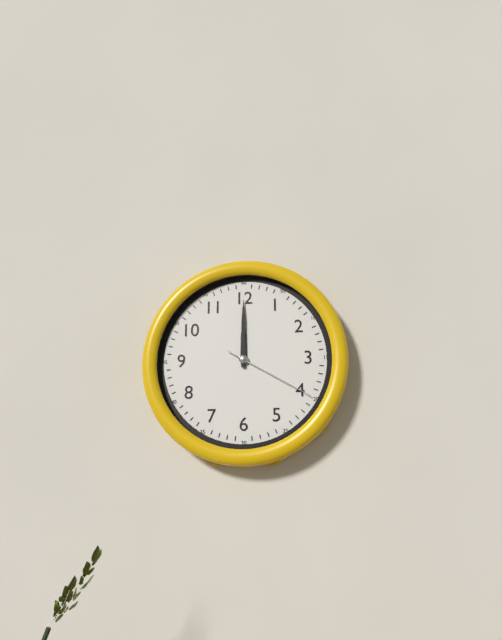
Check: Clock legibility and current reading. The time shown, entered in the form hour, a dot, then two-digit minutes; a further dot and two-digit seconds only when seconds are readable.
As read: 12.00.20
